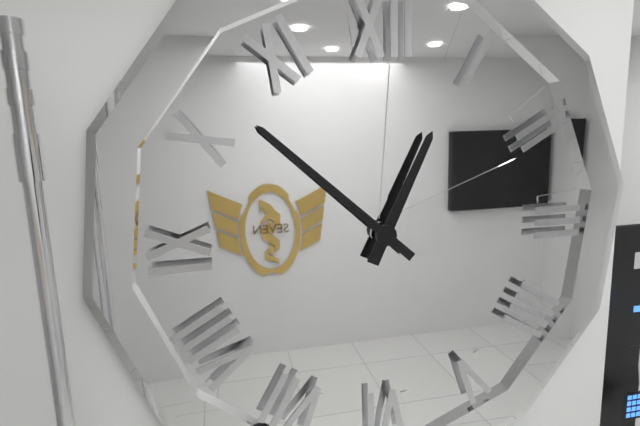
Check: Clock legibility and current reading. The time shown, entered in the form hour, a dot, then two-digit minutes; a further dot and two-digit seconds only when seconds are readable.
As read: 12.52
